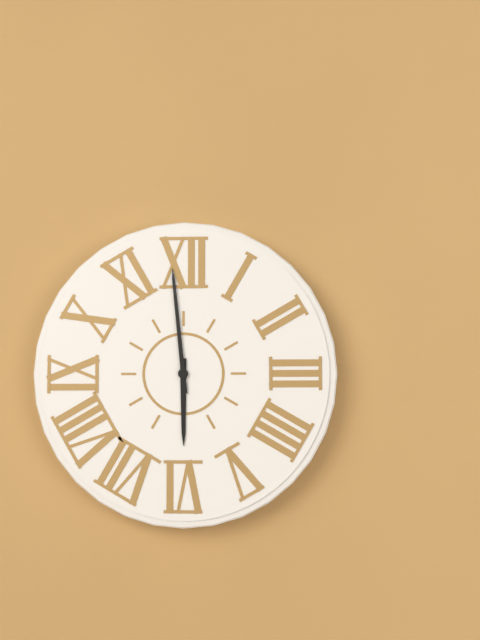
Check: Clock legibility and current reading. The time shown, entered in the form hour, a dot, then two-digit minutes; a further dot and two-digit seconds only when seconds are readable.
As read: 5.59
